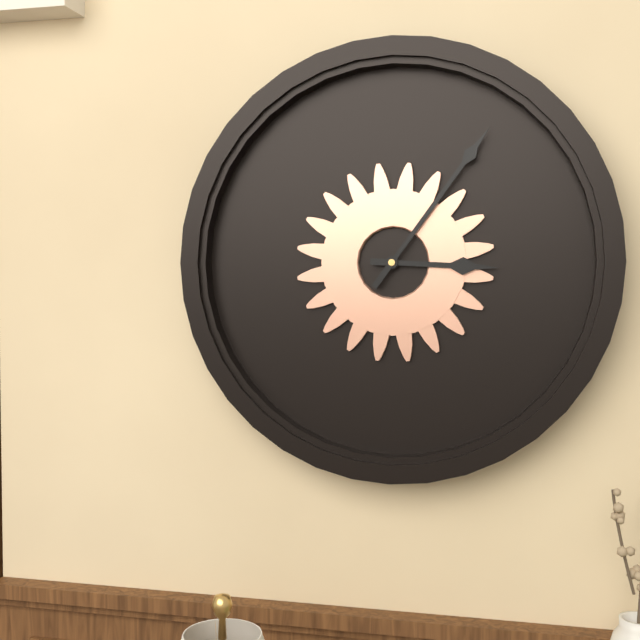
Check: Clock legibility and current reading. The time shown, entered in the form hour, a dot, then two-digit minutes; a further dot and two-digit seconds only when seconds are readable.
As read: 3.06
